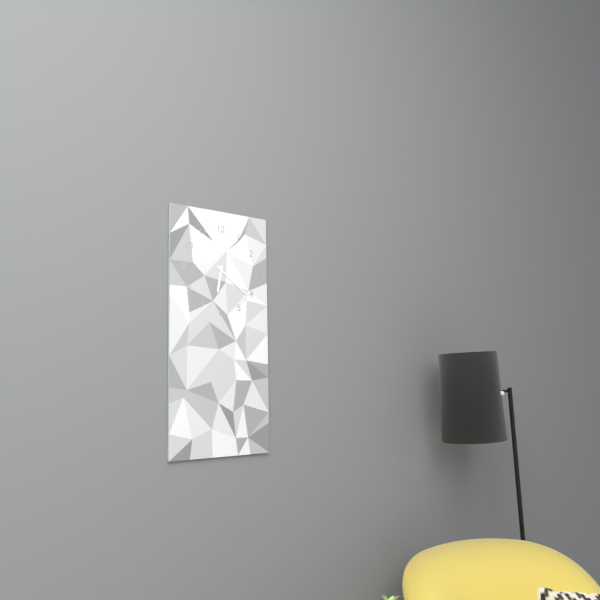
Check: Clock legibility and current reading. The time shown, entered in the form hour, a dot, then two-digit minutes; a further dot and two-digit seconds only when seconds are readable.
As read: 6.21
